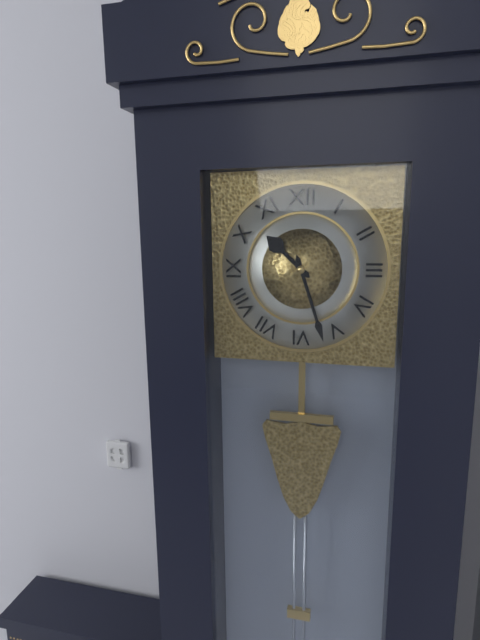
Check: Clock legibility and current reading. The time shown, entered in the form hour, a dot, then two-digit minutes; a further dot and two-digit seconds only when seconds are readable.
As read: 10.27
